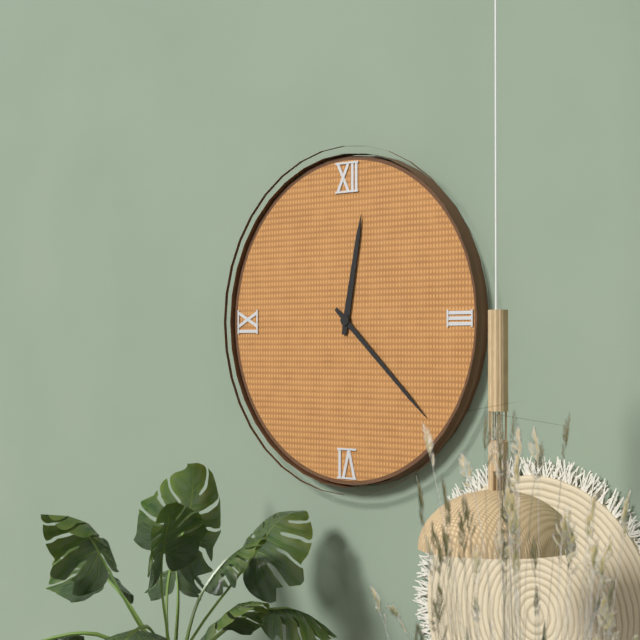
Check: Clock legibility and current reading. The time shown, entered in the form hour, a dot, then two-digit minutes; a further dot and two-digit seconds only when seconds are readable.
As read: 12.22
